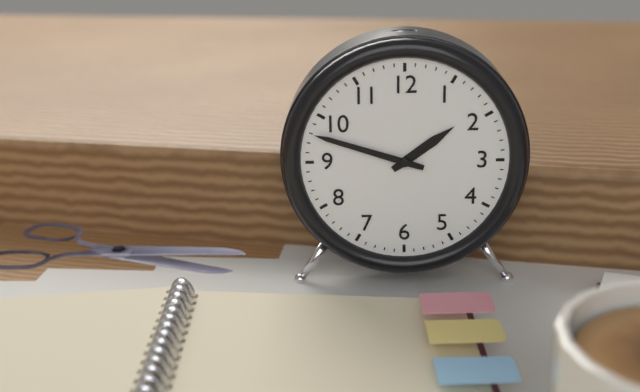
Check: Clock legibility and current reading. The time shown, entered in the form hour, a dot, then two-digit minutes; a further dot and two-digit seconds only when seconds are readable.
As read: 1.48
